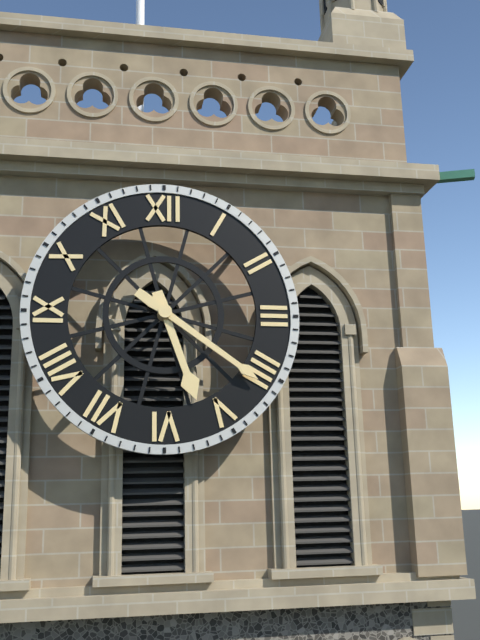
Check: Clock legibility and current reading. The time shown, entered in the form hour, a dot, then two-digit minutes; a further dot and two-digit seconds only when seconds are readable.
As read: 5.21
